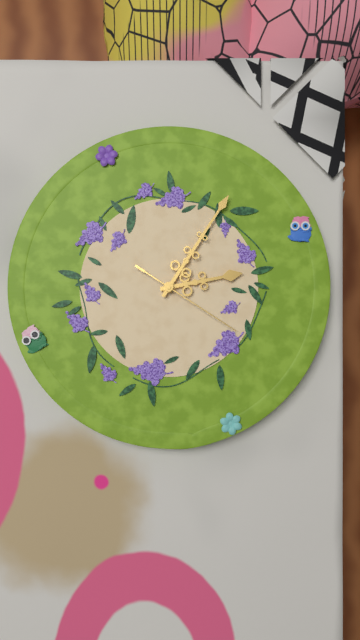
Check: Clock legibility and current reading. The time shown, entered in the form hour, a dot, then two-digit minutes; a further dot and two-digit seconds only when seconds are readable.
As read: 3.08.23
